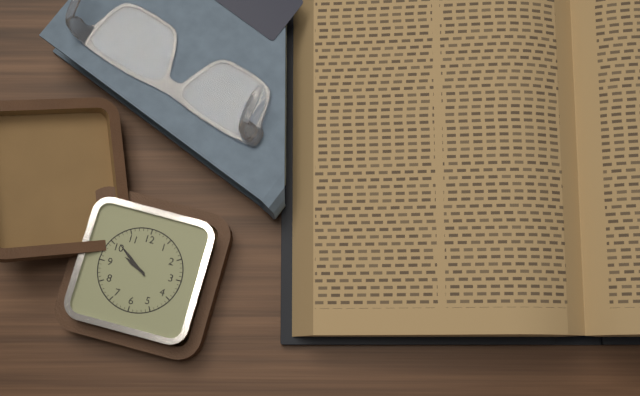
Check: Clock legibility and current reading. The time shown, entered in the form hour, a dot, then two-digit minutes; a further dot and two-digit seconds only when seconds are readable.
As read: 9.51
